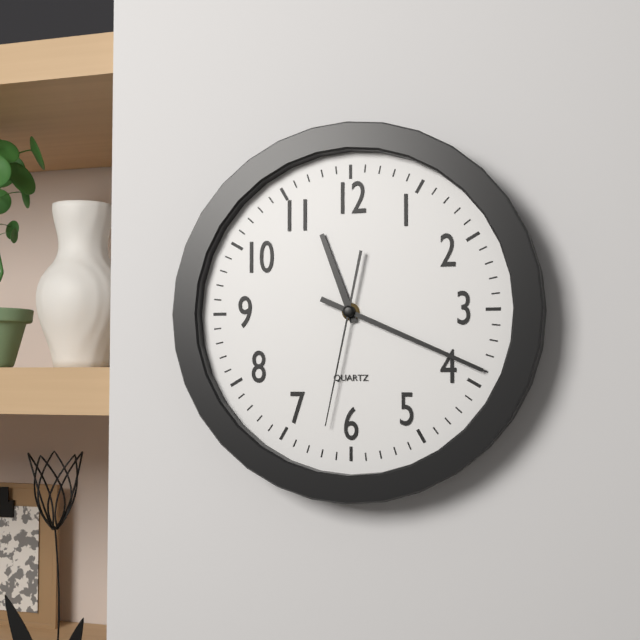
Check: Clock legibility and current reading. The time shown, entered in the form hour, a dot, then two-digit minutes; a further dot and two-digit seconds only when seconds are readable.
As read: 11.19.32
